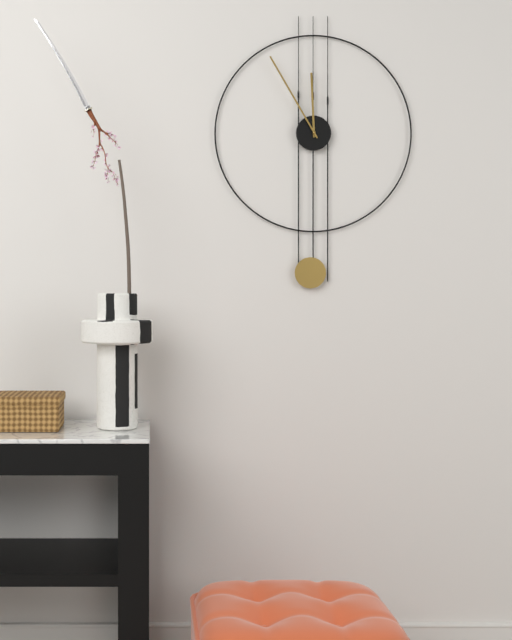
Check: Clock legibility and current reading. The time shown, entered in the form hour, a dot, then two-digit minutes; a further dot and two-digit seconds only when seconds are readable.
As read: 11.55
